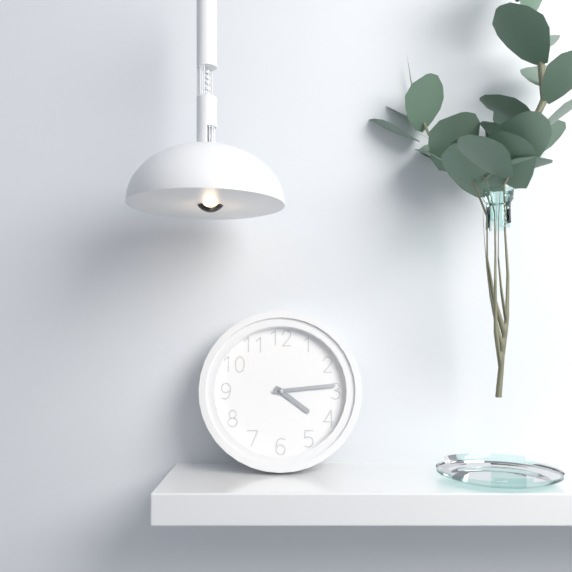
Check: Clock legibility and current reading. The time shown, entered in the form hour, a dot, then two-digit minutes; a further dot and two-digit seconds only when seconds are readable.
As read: 4.14
